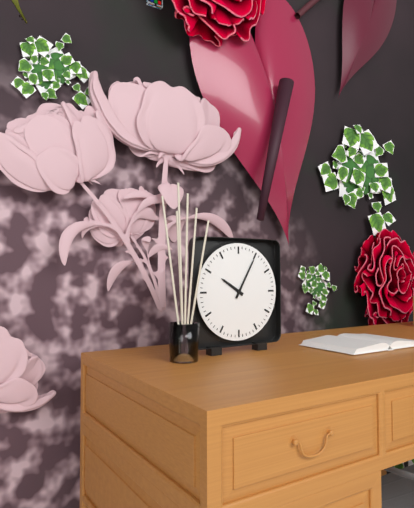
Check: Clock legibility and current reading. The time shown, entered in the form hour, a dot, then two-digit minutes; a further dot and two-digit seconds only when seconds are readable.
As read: 10.05
